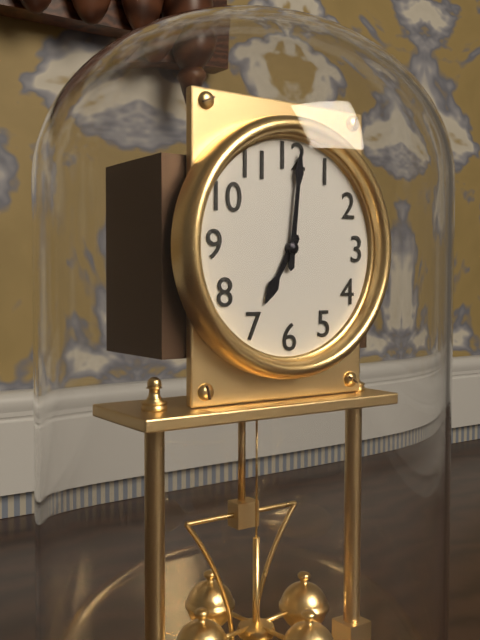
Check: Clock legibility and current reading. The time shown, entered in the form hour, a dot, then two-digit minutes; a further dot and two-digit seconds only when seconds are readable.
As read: 7.01
